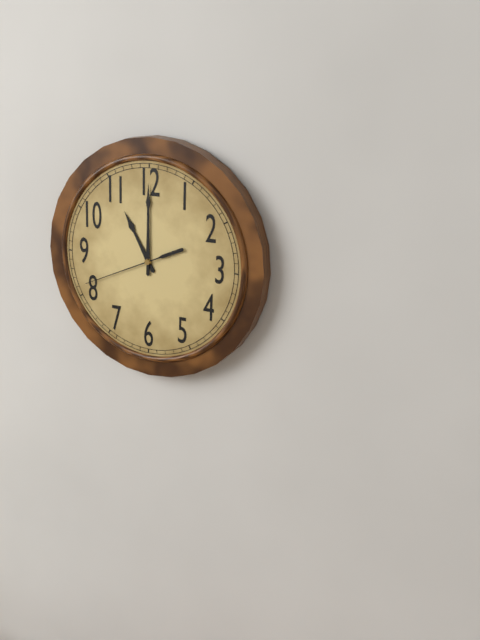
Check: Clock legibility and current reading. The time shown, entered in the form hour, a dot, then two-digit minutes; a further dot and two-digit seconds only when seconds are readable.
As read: 11.00.41
